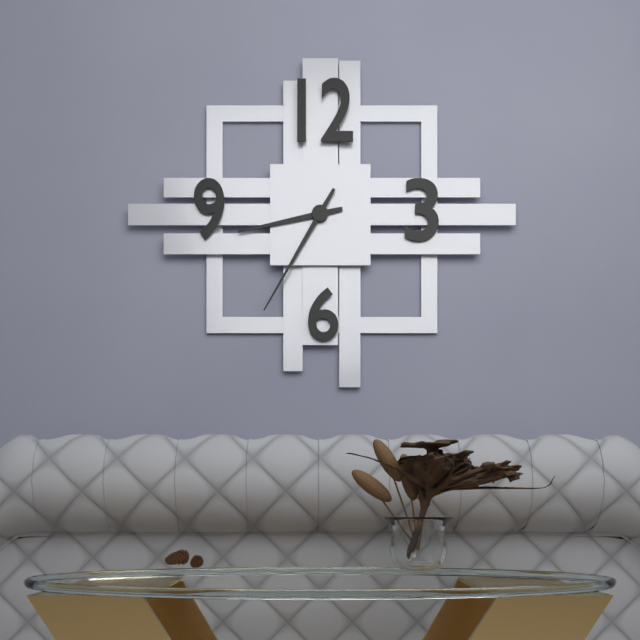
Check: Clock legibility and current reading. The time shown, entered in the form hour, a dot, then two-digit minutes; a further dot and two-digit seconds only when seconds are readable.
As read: 8.35
